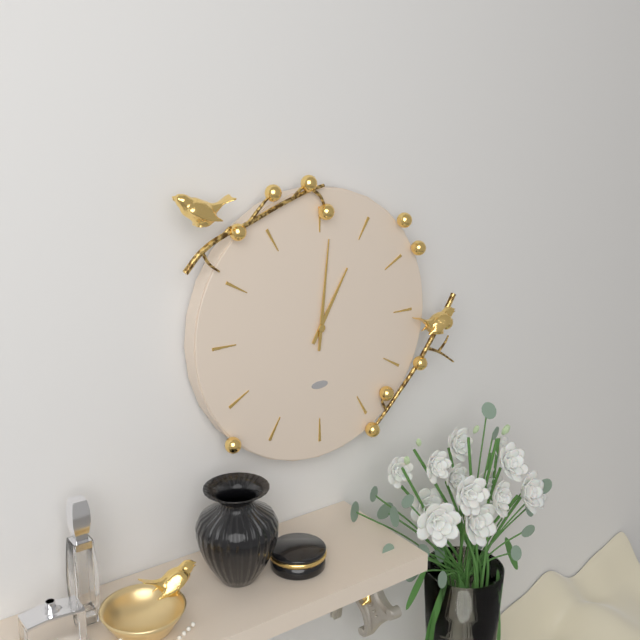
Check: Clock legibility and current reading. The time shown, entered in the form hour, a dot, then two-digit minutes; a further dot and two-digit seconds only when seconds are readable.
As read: 1.01
